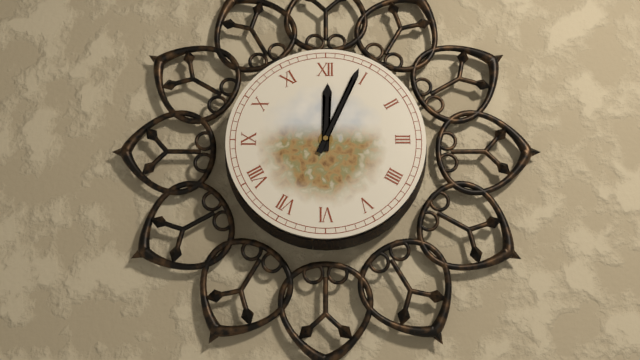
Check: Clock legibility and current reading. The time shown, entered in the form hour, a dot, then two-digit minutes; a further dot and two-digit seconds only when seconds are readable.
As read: 12.04
